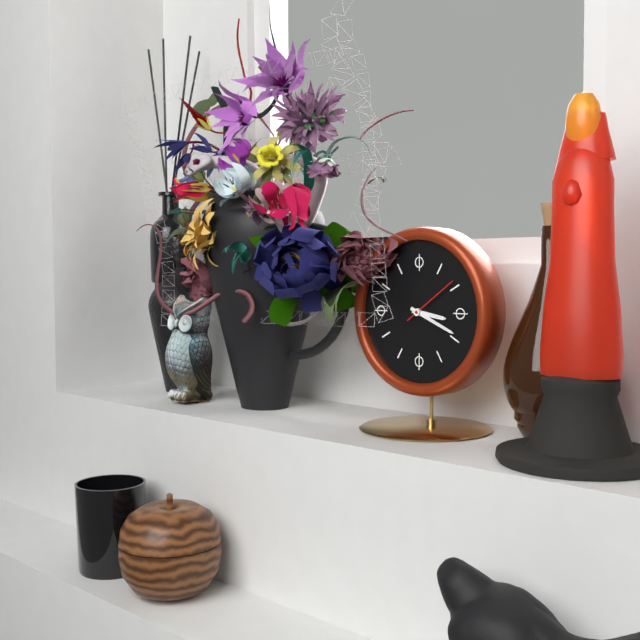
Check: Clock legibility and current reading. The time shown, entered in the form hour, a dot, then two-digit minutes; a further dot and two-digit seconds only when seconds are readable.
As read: 3.19.09
